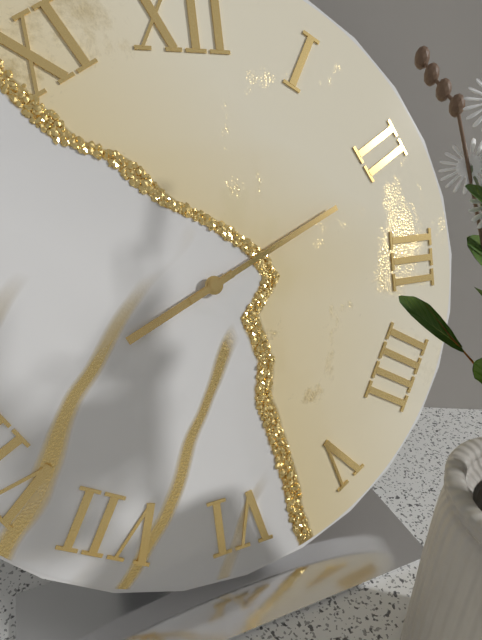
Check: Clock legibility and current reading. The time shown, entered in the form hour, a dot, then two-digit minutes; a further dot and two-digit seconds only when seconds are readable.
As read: 8.11
